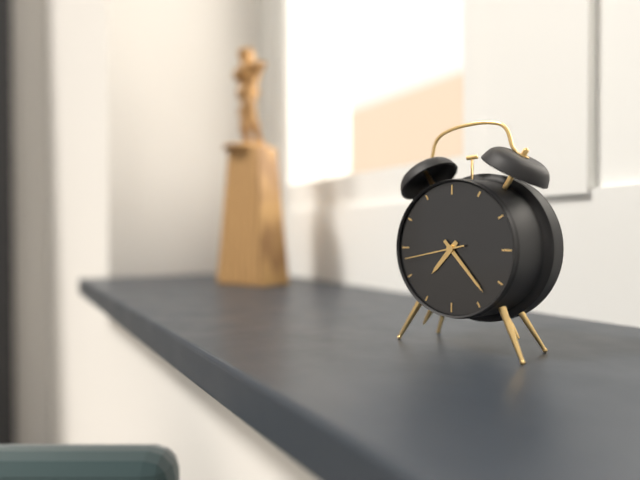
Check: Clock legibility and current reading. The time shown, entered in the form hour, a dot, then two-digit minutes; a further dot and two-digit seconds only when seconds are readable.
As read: 7.23.43
